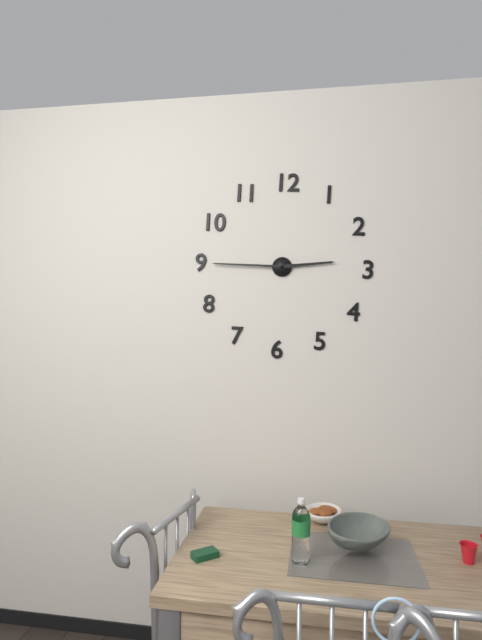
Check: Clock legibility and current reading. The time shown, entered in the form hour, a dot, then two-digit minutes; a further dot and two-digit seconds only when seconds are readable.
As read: 2.45
